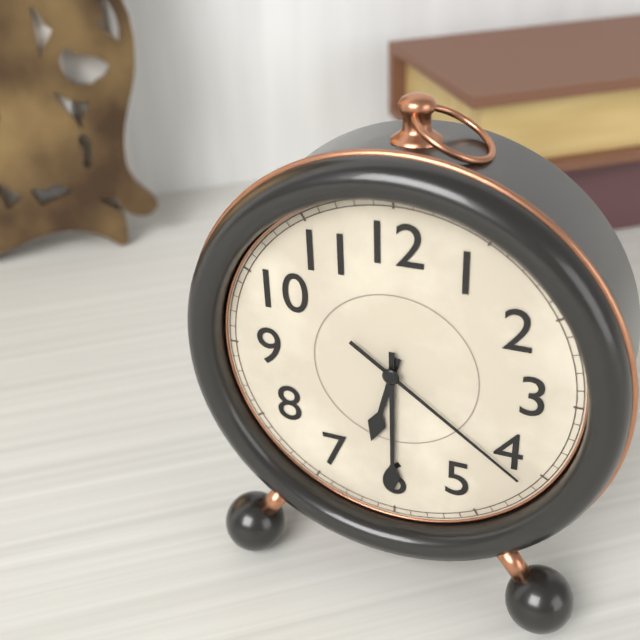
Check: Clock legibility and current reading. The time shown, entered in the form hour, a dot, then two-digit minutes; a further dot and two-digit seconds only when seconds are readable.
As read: 6.30.21
